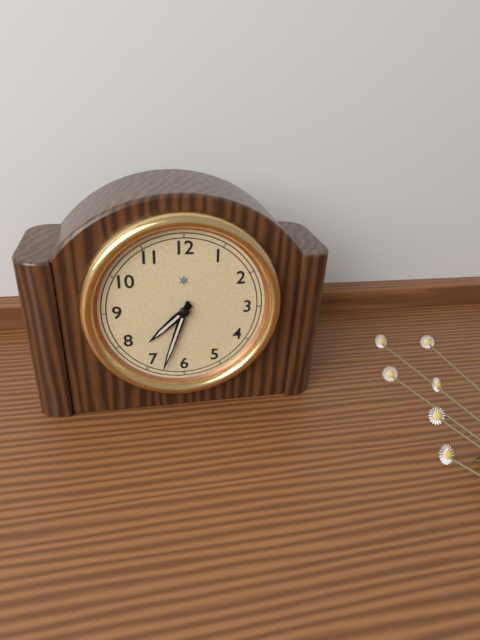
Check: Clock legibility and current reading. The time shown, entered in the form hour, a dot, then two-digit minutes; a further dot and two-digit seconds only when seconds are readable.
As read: 7.33
